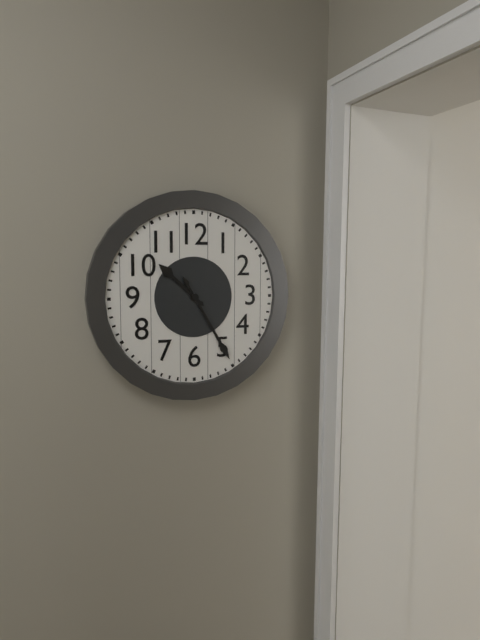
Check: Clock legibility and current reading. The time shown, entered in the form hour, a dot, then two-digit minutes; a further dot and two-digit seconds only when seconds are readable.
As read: 10.25
